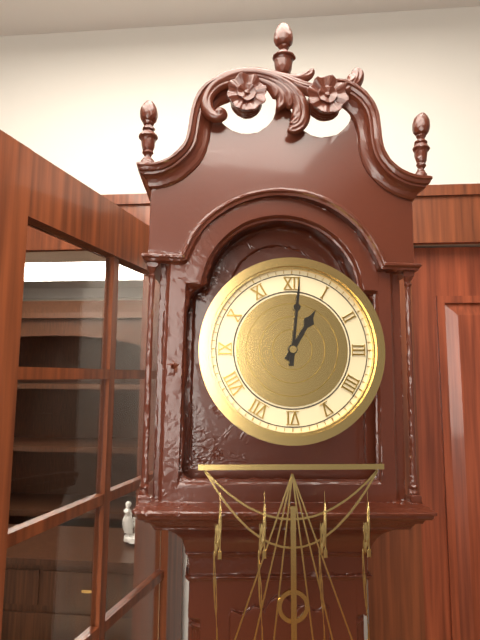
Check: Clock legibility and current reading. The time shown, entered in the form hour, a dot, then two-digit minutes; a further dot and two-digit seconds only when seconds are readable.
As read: 1.01
